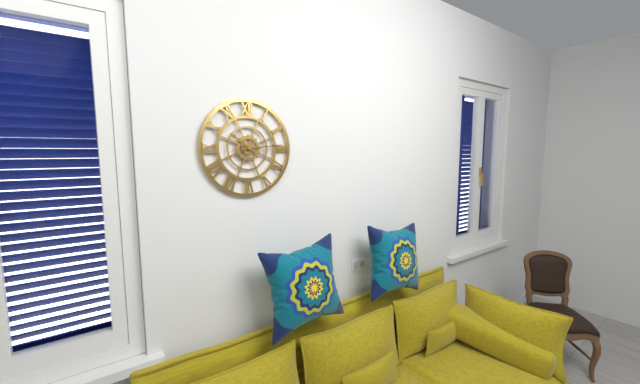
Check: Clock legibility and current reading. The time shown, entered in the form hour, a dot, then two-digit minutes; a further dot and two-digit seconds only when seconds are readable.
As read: 10.14
